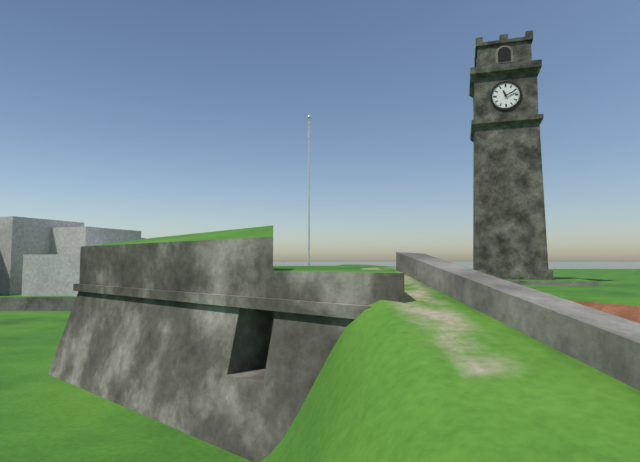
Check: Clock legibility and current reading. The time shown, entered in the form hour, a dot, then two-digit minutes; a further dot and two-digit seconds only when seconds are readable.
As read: 11.11
